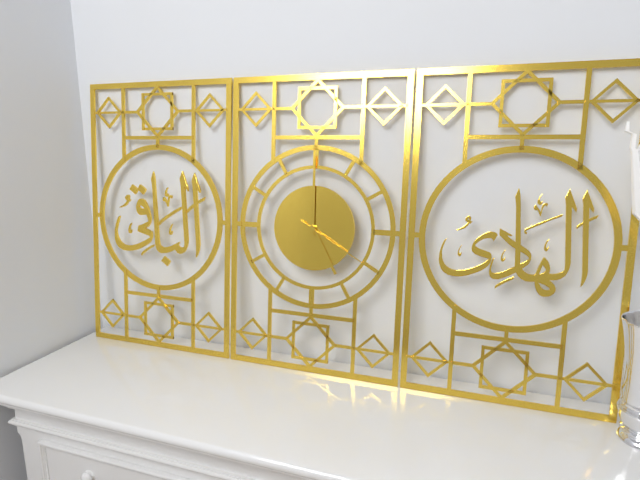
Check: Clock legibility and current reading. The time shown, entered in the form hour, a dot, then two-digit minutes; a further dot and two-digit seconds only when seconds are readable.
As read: 5.00.20
